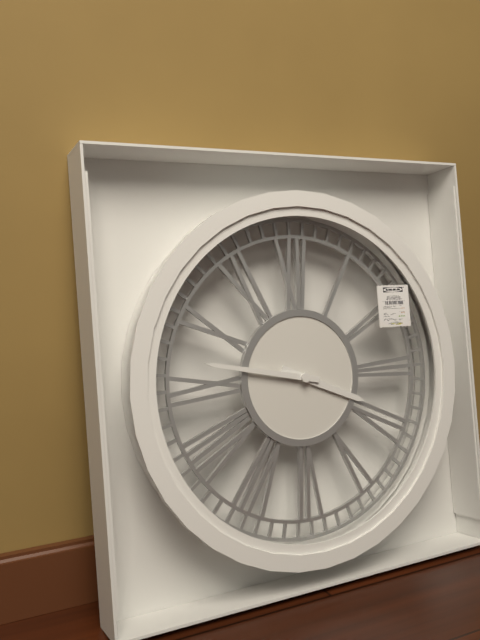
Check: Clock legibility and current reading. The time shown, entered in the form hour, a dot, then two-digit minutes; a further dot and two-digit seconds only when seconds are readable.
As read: 3.47
